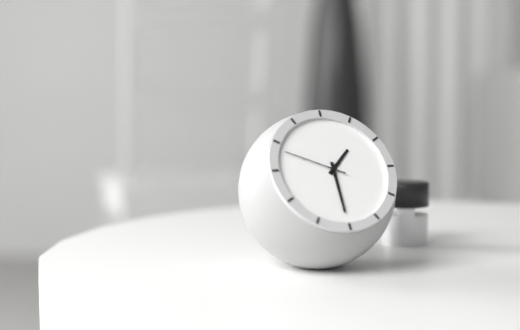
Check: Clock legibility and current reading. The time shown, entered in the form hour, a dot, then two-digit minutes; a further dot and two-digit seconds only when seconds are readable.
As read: 1.30.49
